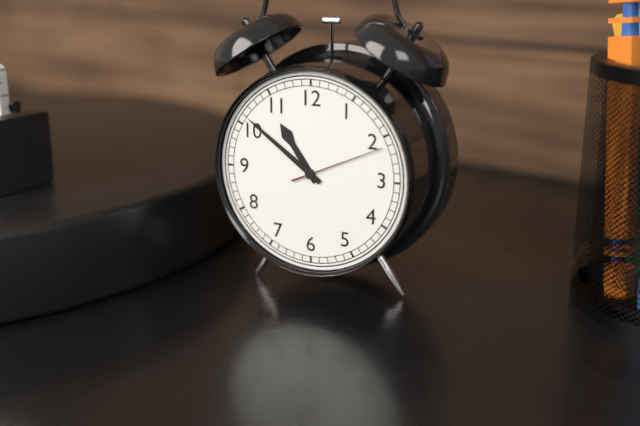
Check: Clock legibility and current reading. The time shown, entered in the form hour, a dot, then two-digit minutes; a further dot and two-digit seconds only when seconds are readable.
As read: 10.51.11
